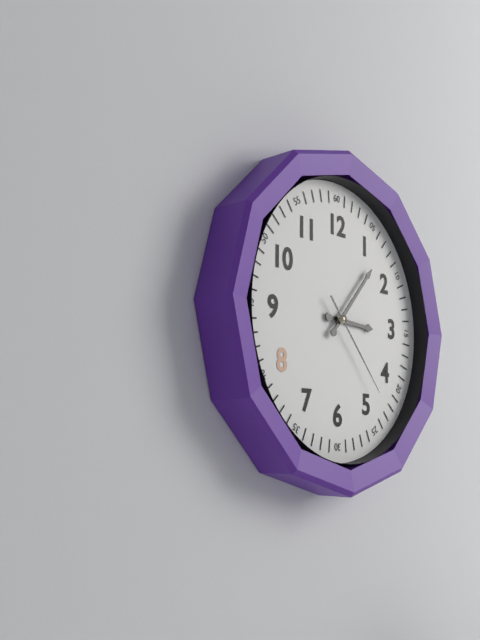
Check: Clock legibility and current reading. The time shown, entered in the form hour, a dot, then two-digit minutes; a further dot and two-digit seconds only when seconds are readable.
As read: 3.07.23
